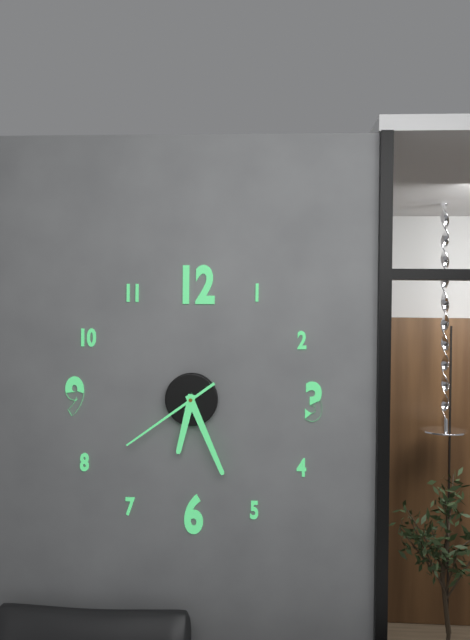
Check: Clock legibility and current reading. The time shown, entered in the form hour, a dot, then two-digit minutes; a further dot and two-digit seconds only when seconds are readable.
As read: 6.26.39
